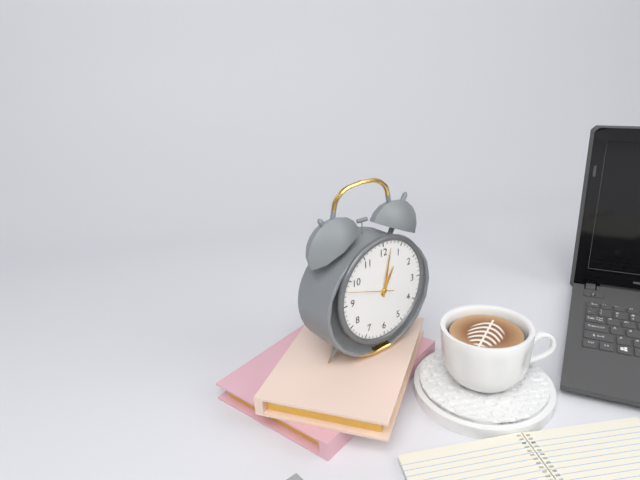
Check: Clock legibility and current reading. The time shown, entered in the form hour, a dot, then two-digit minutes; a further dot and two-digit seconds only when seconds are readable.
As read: 1.02
